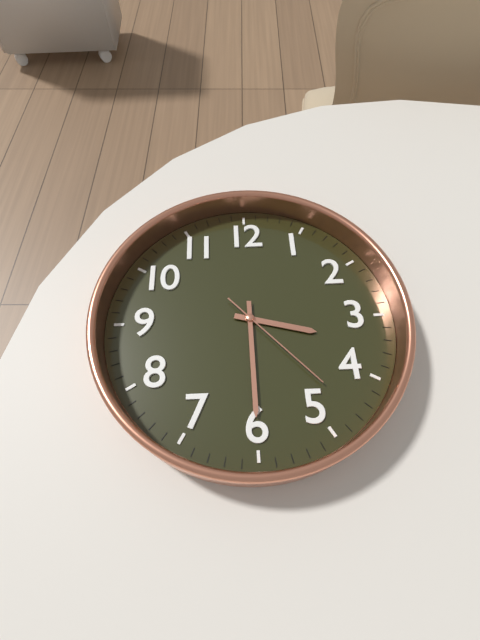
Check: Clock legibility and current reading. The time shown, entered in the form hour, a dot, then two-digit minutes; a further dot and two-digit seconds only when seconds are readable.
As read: 3.30.23
